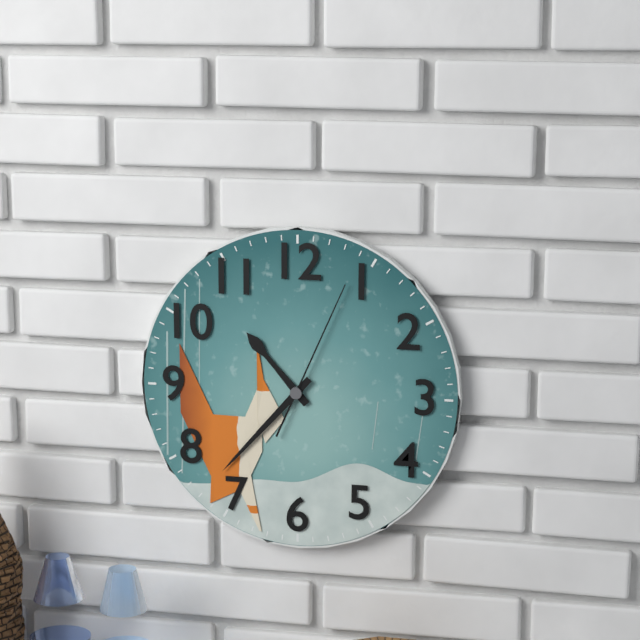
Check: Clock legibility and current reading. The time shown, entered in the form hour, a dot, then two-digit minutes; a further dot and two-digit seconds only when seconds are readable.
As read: 10.37.04
